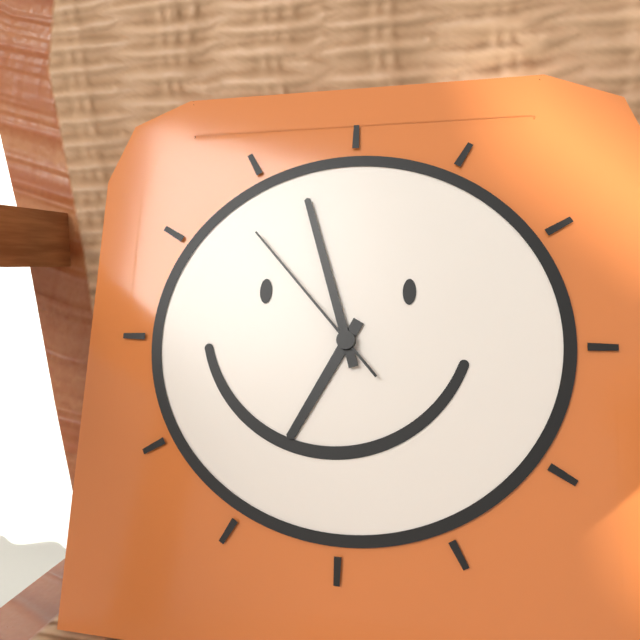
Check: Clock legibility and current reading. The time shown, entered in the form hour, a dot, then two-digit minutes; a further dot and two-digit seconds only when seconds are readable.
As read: 6.57.53
